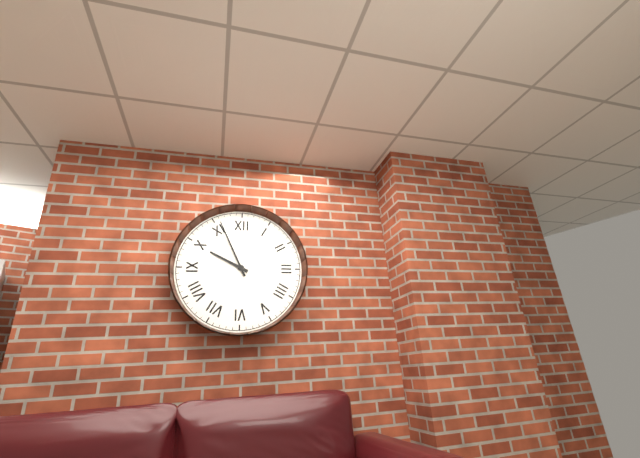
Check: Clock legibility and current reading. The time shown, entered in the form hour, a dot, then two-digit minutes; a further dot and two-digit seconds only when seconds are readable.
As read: 9.56
